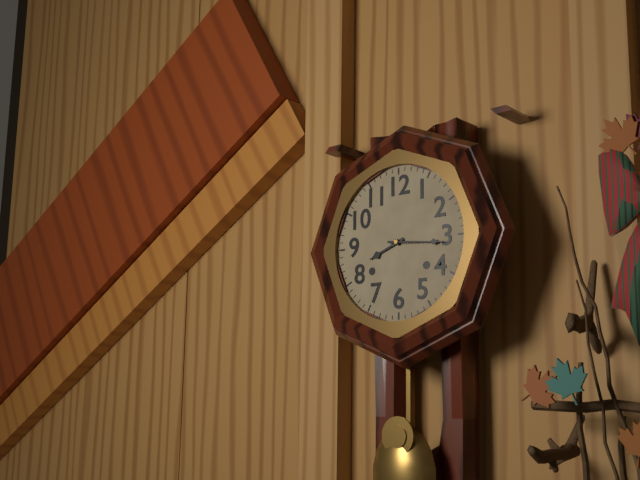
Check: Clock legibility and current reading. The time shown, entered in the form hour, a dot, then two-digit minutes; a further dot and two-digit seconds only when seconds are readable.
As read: 8.16
